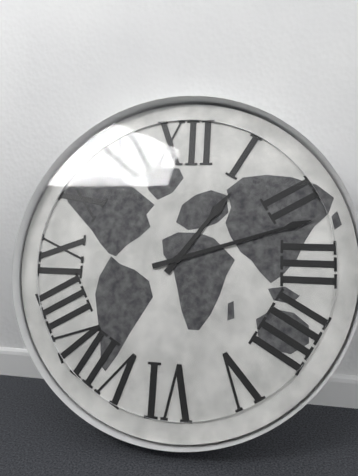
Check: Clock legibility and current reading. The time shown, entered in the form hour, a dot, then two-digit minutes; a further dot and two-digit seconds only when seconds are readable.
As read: 1.12
